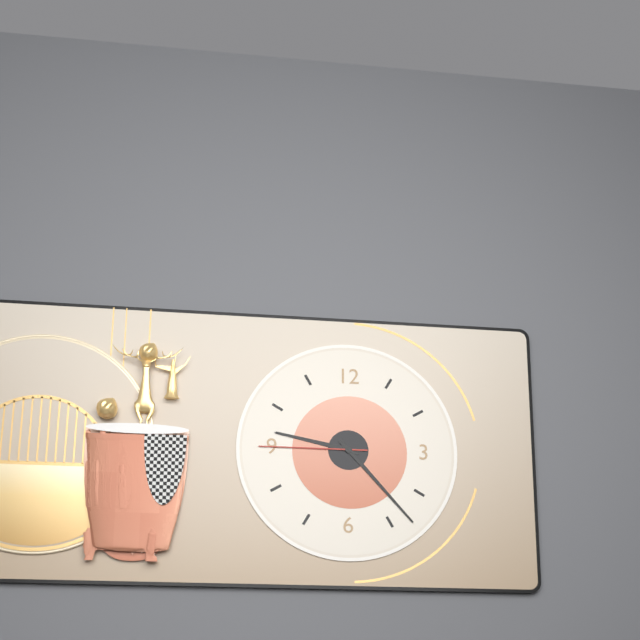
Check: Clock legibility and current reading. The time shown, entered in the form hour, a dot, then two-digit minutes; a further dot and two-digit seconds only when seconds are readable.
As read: 9.23.45
